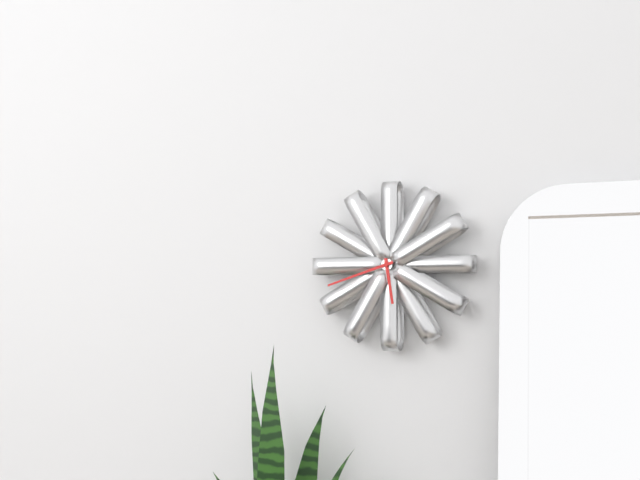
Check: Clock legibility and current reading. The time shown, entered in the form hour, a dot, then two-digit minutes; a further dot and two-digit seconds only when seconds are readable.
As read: 5.42
